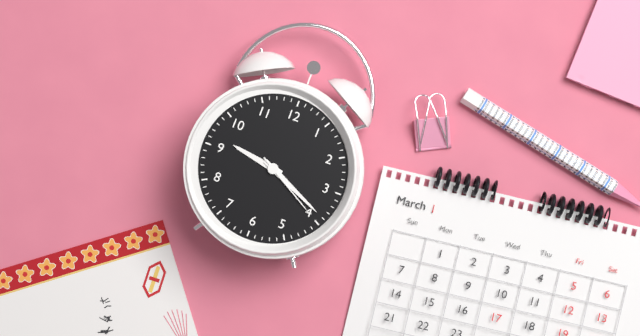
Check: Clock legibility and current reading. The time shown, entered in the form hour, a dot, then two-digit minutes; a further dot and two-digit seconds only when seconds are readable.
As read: 9.19.20
